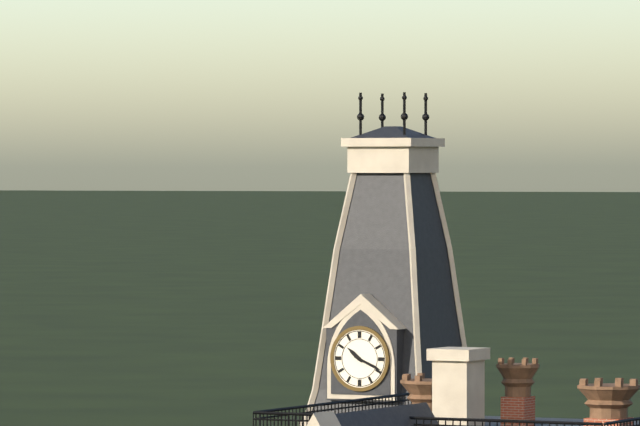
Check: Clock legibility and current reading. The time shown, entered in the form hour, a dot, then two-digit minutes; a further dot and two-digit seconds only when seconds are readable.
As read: 10.19
